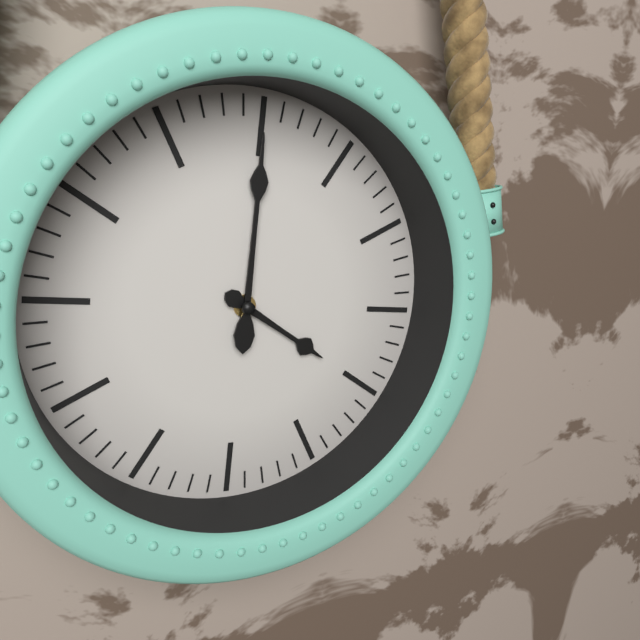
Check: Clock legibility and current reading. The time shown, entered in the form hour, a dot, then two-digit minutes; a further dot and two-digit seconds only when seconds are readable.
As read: 4.00
